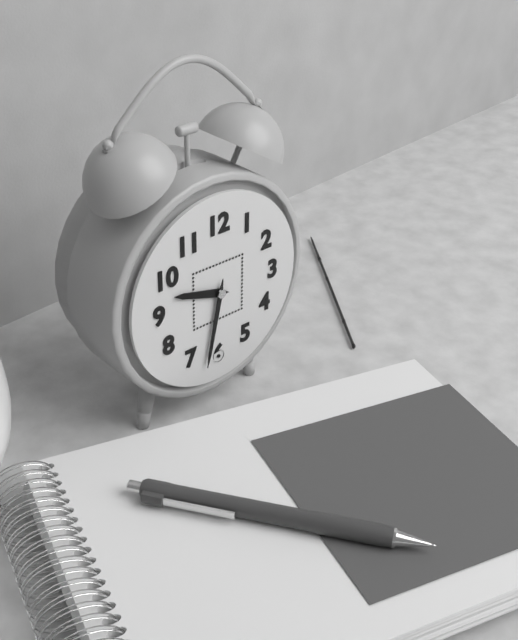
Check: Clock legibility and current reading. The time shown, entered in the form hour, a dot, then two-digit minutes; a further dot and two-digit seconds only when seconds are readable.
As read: 9.32
